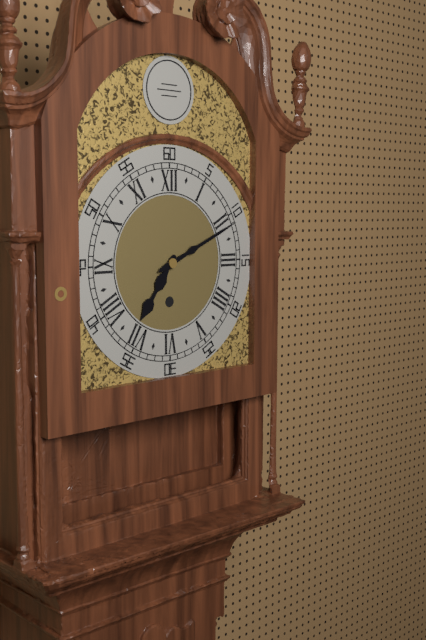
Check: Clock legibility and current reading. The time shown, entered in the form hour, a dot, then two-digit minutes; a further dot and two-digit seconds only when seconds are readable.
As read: 7.11
